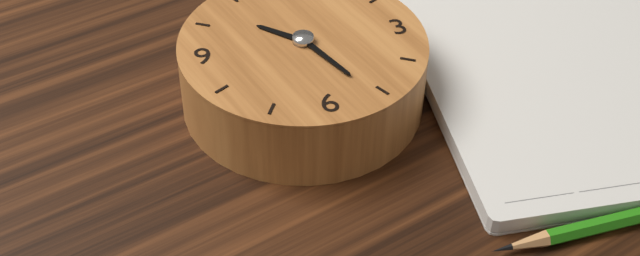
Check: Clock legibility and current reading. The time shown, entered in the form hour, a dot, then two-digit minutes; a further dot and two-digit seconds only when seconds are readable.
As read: 10.26
